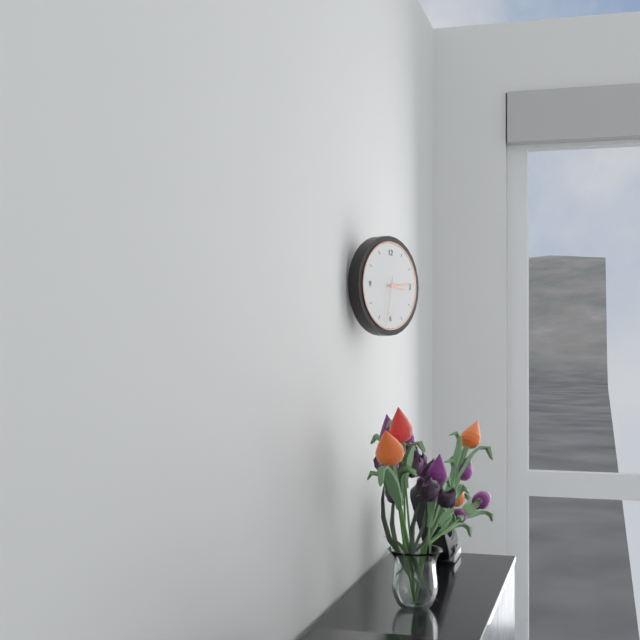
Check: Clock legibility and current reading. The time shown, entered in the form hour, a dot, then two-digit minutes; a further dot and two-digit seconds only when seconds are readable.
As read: 3.14
